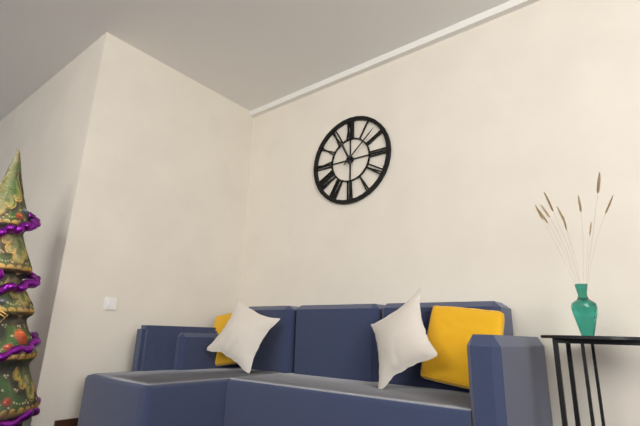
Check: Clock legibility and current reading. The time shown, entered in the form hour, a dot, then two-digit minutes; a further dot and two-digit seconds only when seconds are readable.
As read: 11.08
